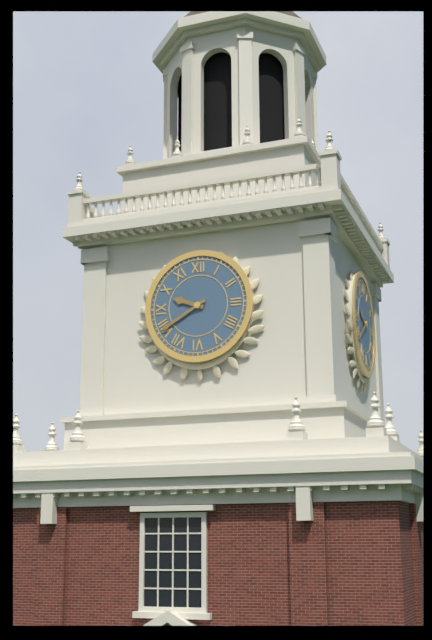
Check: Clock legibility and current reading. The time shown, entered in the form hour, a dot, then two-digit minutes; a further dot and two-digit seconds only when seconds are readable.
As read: 9.40
